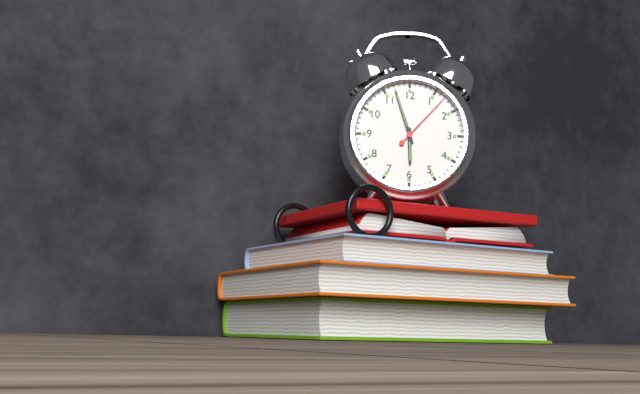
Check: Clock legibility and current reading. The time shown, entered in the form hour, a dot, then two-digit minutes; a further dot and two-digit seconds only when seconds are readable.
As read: 5.57.07
